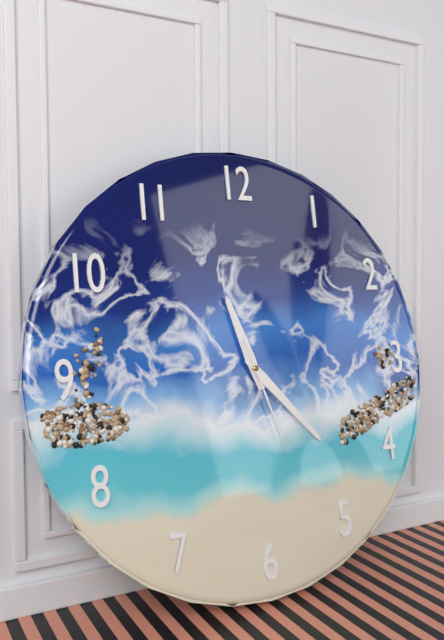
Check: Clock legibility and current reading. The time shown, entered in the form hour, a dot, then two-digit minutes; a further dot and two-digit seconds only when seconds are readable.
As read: 11.23.27
